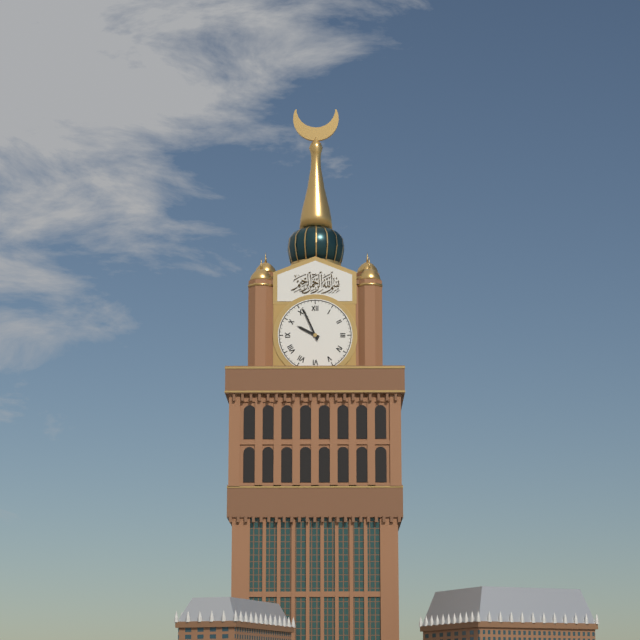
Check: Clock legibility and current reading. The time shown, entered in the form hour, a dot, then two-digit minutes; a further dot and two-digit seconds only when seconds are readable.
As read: 9.56
